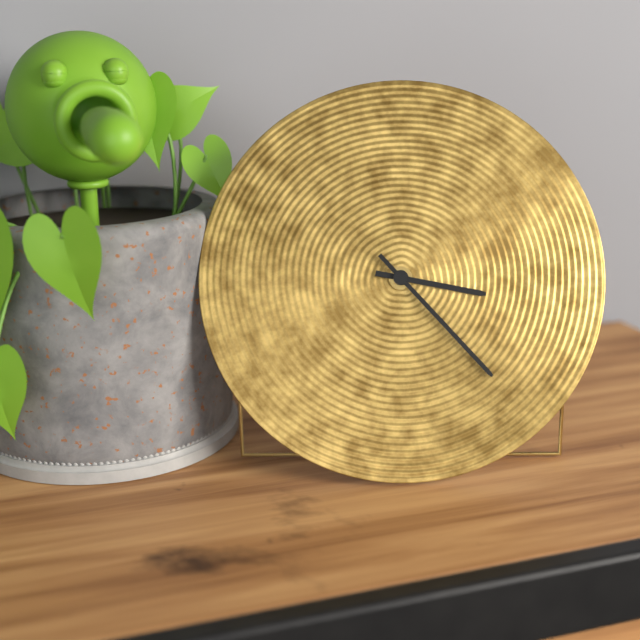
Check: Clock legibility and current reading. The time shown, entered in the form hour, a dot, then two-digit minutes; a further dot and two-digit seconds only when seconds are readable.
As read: 3.23
